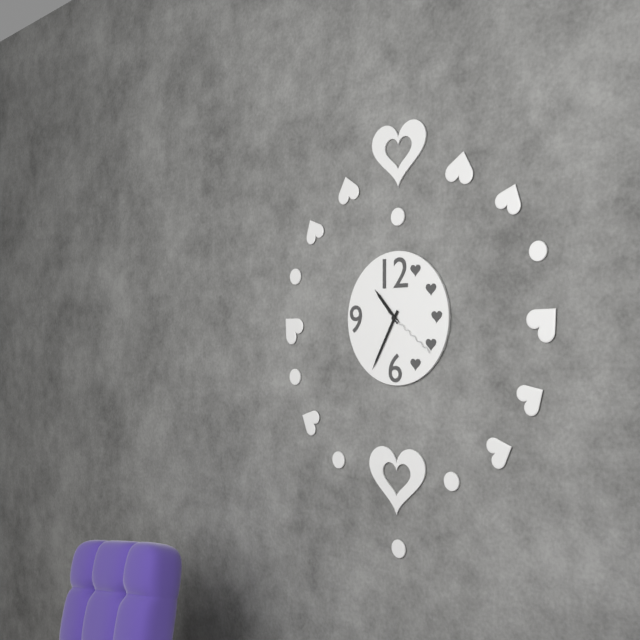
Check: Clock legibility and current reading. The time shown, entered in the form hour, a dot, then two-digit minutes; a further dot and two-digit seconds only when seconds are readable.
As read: 10.35.21
